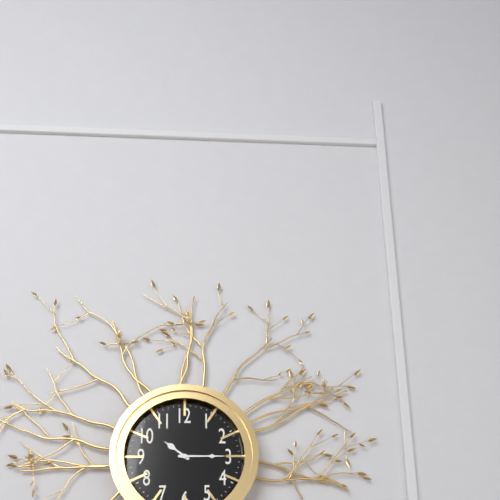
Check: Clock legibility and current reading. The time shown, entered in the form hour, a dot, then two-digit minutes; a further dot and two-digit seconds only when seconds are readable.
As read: 10.15
